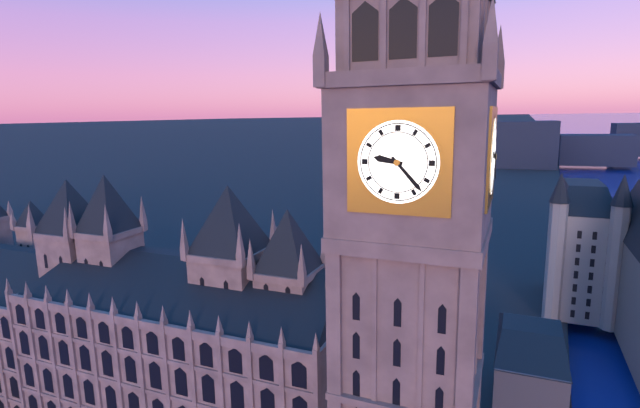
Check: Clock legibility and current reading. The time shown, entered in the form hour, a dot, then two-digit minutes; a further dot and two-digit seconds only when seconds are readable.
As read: 9.23
